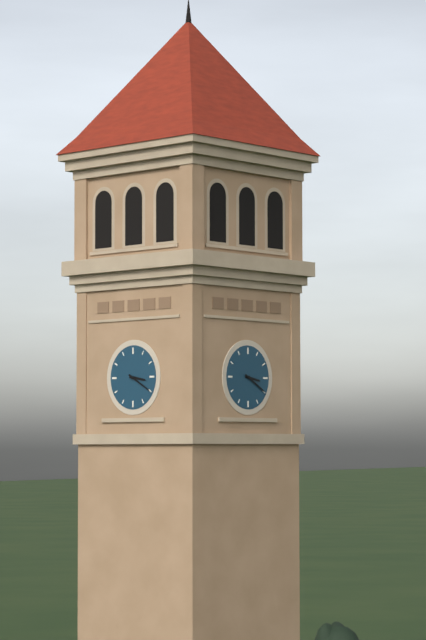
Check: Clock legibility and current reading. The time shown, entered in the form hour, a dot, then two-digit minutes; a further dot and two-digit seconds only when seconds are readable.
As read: 3.20
